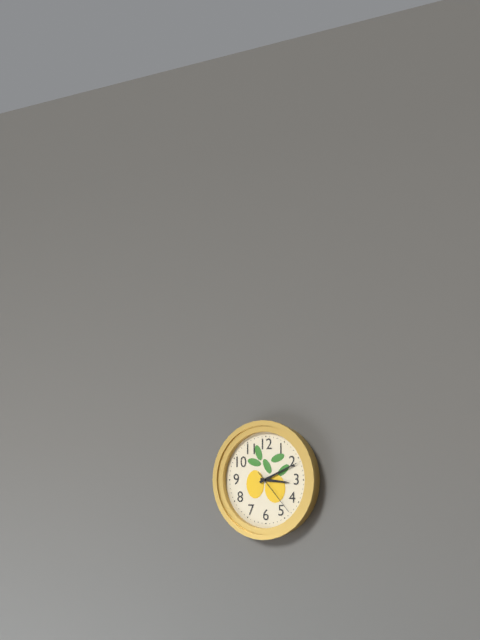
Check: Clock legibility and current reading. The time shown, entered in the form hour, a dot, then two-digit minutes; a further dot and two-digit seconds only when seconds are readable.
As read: 3.11.23
